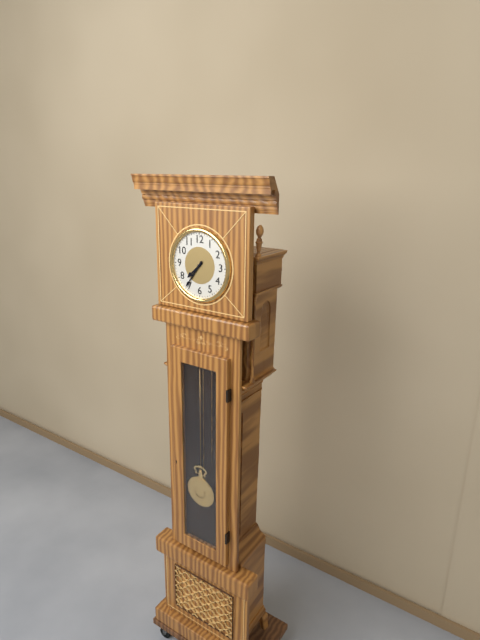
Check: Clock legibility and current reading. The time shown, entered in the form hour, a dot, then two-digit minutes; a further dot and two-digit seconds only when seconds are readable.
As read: 7.36
